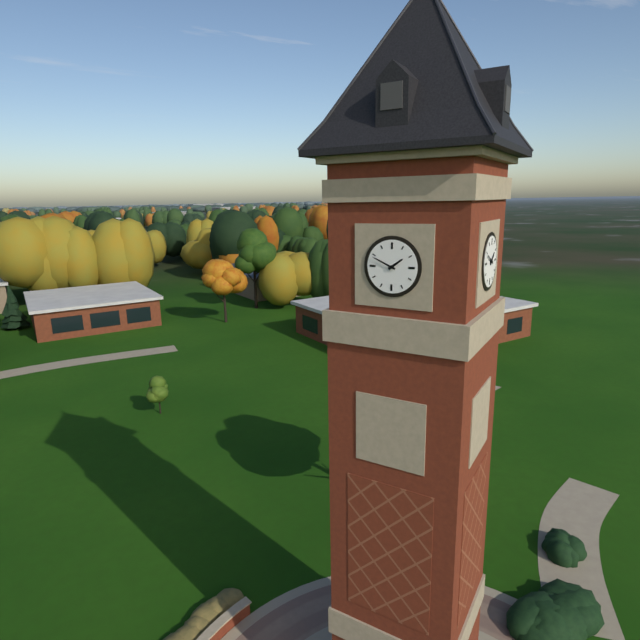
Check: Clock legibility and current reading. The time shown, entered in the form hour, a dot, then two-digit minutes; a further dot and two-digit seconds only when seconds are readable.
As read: 1.49
